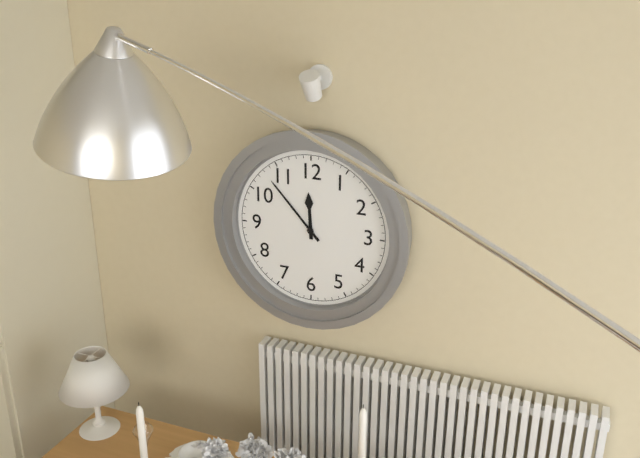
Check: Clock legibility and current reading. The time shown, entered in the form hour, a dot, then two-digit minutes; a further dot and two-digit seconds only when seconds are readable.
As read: 11.53
